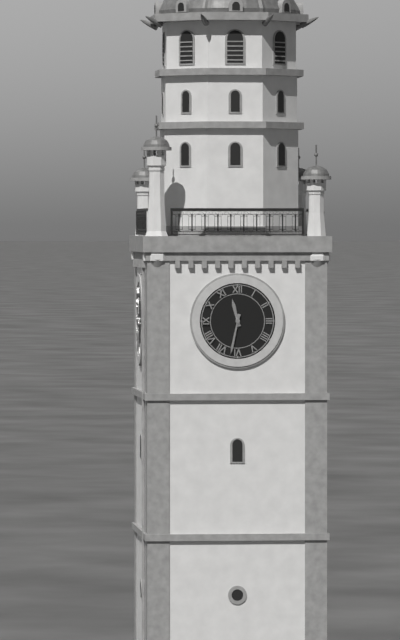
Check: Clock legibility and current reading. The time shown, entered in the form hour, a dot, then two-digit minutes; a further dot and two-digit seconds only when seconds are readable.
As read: 11.32
